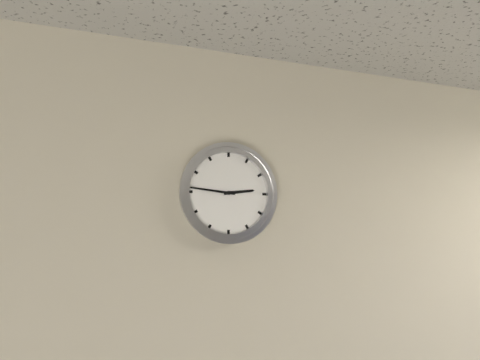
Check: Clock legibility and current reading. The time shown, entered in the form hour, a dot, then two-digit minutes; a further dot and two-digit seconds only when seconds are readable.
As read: 2.46
